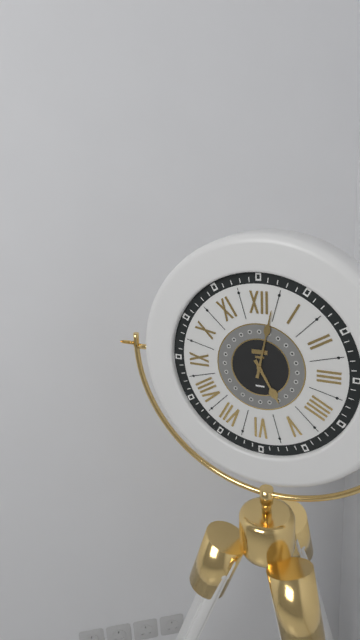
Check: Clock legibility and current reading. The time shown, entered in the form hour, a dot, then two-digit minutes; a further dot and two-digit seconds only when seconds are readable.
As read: 5.02
